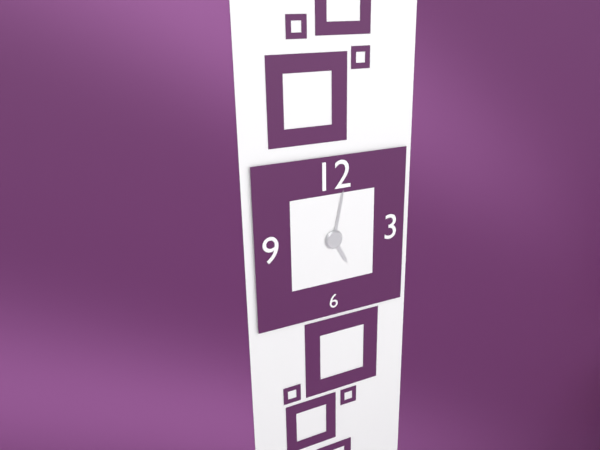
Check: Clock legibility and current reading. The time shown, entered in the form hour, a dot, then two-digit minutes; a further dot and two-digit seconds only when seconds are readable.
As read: 5.02
